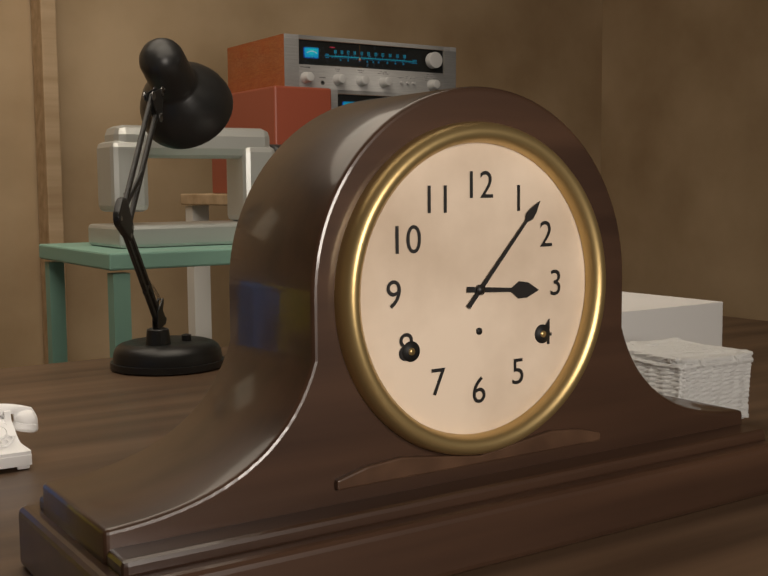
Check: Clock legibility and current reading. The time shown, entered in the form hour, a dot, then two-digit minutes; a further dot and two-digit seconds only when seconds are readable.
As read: 3.07
